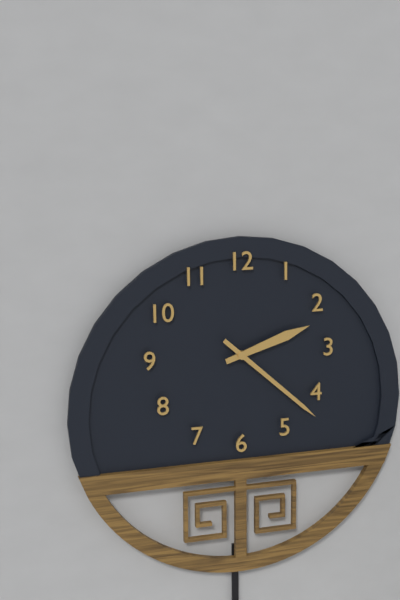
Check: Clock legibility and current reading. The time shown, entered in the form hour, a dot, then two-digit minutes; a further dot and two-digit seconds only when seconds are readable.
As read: 2.22
